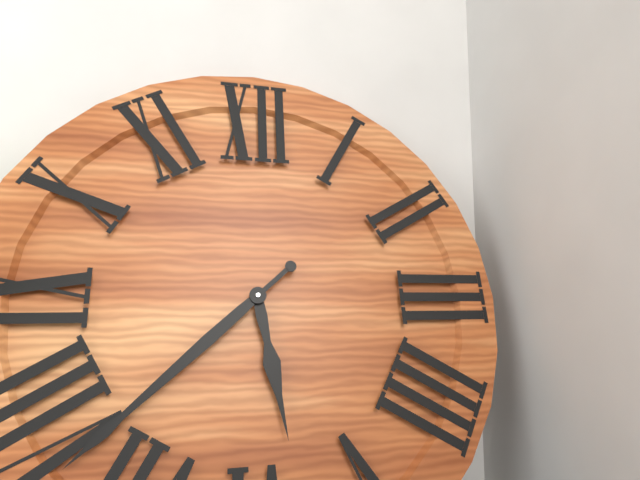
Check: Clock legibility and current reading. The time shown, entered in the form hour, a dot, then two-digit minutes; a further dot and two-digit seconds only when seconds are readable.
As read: 5.38
